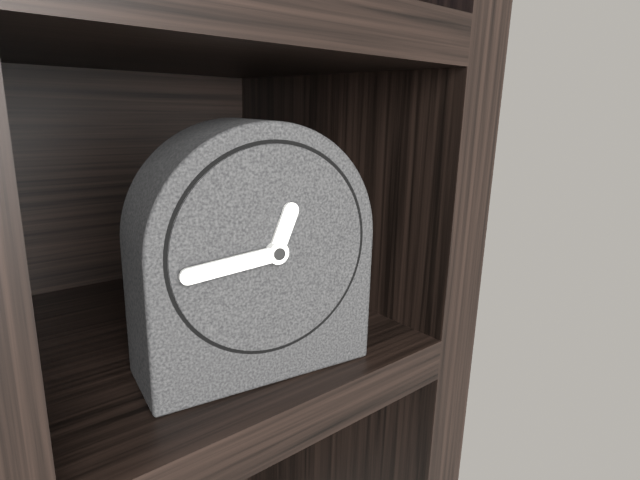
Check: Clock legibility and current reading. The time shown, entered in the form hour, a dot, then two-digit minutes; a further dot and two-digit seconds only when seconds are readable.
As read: 12.44
